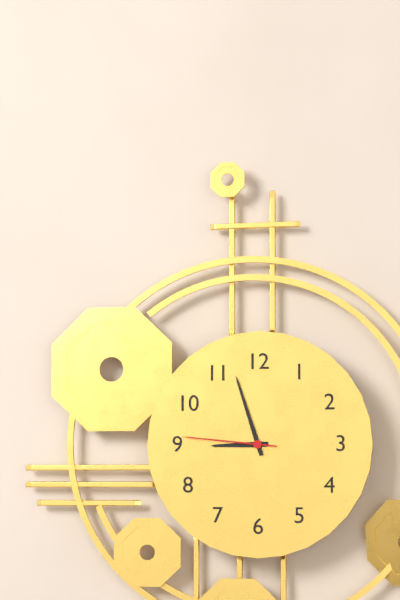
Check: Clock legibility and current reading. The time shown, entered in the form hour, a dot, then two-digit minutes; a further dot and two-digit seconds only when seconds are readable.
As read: 8.57.46
